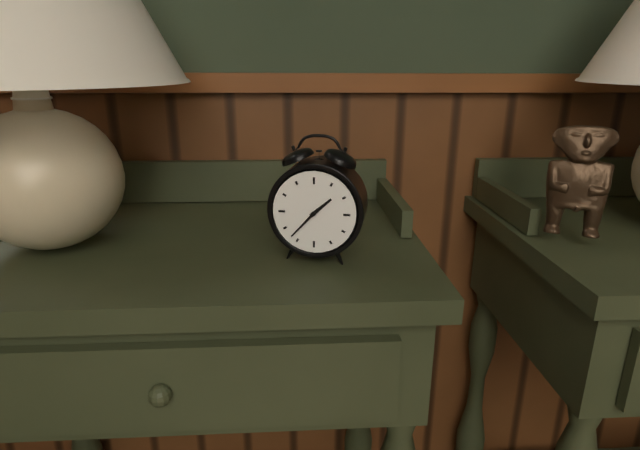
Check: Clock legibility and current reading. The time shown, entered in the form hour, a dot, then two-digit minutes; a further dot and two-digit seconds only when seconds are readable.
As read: 1.37
